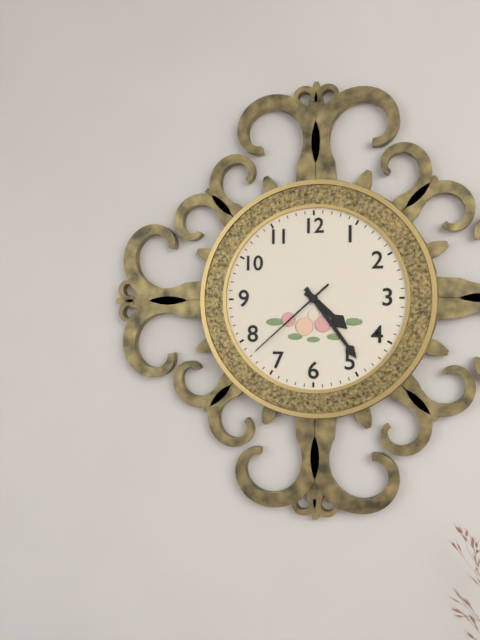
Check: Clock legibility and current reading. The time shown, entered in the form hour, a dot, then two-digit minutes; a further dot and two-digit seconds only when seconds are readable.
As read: 4.24.38
